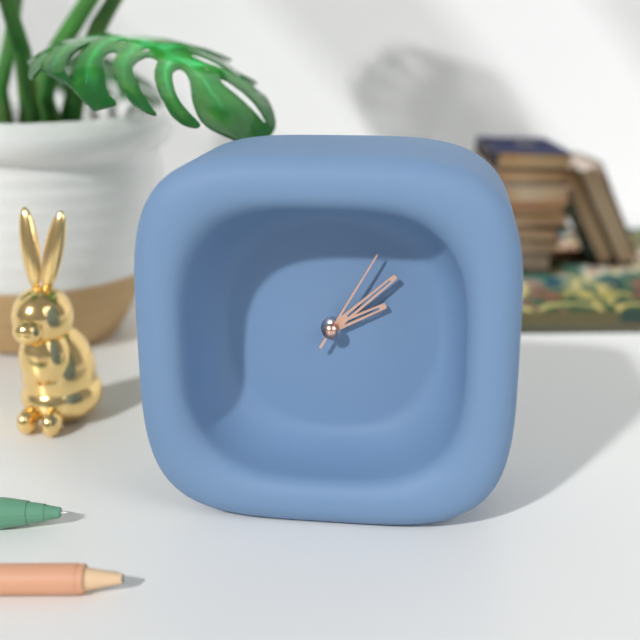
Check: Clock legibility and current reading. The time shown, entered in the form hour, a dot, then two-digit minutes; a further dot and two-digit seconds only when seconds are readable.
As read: 2.08.05
